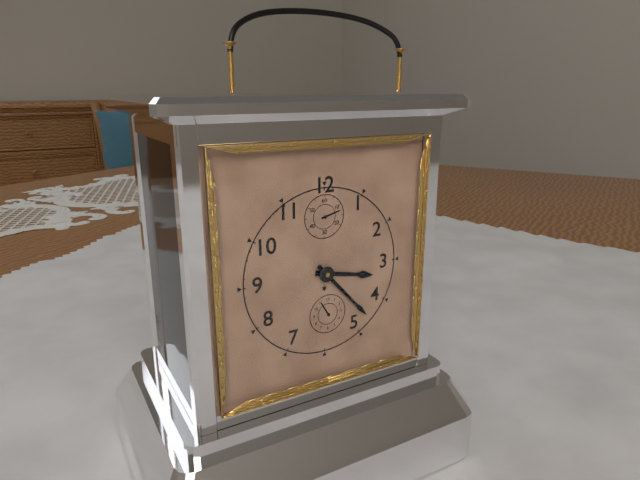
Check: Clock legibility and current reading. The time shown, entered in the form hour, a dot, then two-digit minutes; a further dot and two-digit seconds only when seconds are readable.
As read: 3.23
